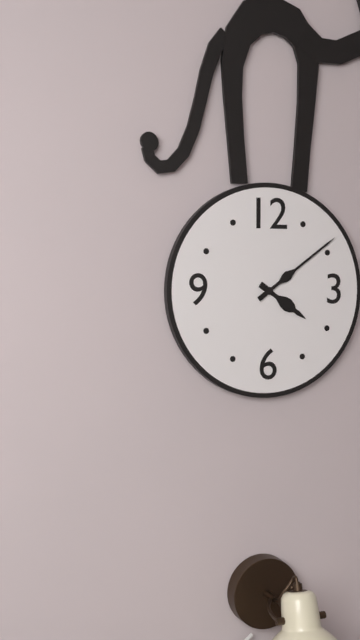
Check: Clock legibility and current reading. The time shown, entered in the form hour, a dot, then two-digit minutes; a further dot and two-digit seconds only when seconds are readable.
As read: 4.09
